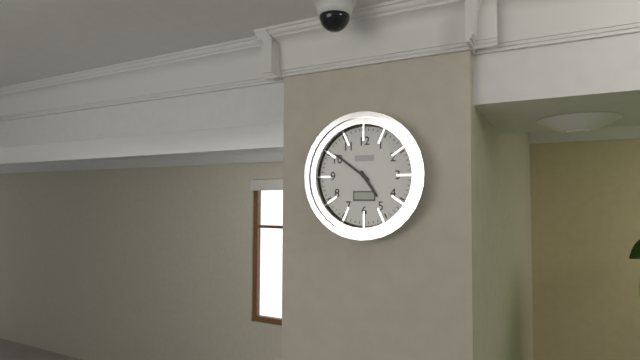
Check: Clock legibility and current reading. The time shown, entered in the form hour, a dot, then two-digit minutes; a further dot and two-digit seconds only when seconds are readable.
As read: 4.51
